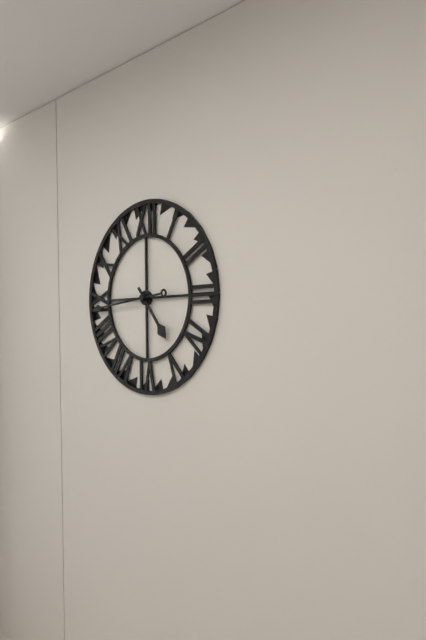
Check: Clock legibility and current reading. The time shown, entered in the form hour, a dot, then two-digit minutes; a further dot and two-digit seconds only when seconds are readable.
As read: 4.44
